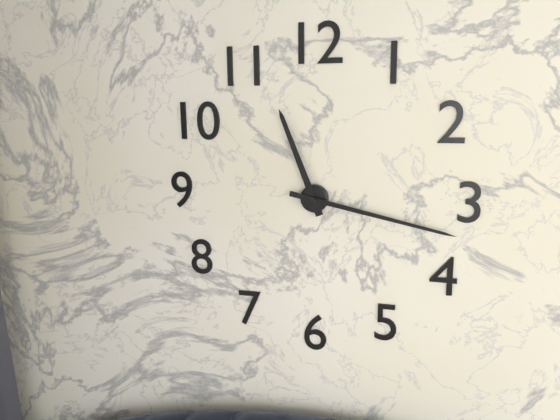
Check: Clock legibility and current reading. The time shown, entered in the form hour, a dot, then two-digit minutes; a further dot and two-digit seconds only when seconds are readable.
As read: 11.17
